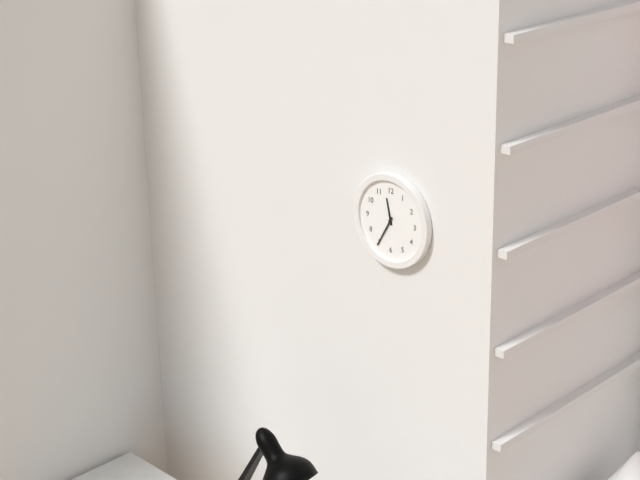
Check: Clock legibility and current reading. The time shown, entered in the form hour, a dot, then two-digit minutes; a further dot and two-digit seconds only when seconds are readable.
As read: 11.35
